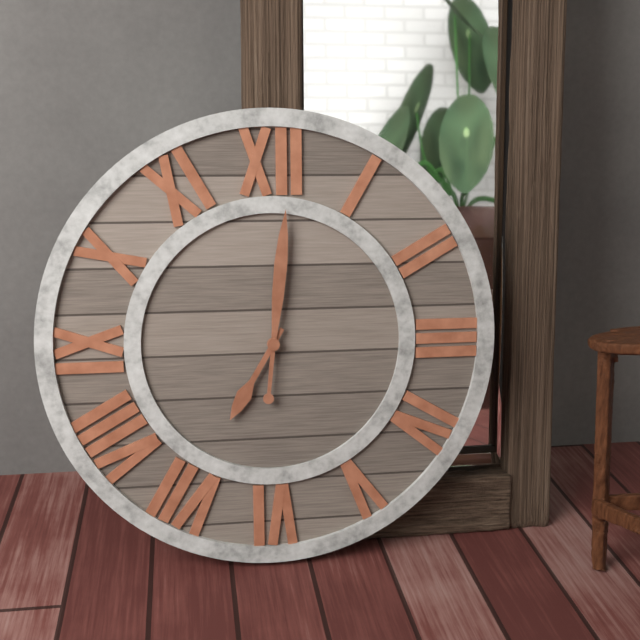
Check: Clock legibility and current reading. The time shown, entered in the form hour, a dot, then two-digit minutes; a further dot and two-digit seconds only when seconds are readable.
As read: 7.01
